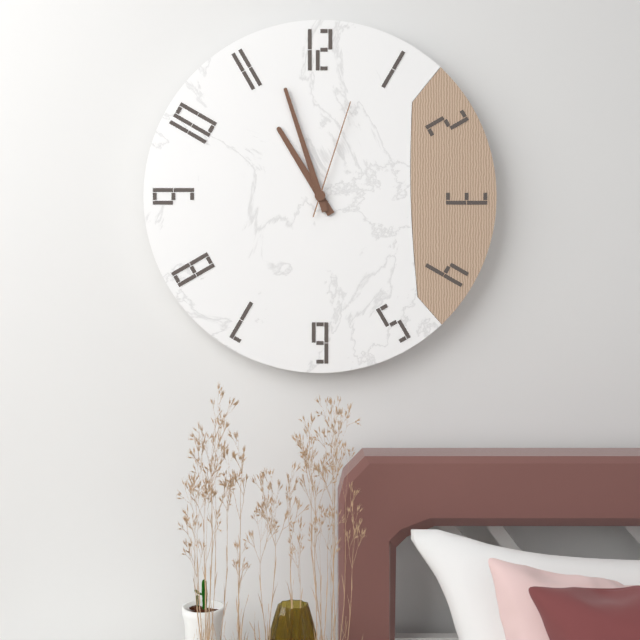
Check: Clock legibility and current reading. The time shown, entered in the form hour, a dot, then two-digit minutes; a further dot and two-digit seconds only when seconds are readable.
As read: 10.57.03
